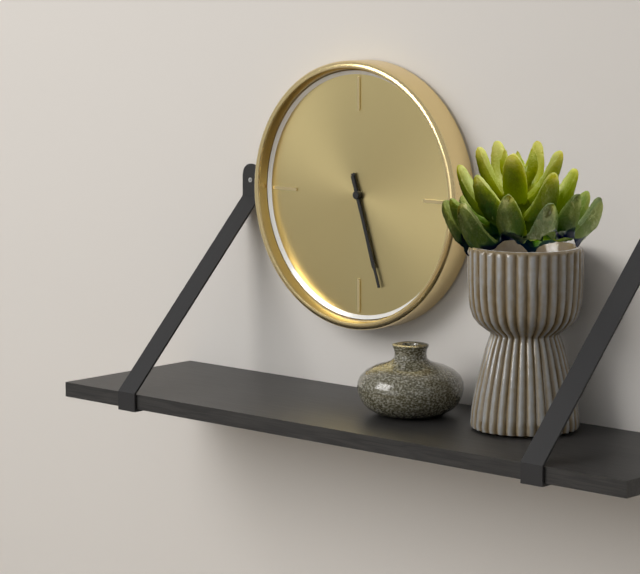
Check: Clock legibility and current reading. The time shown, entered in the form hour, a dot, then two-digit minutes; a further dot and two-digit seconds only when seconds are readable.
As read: 5.27
